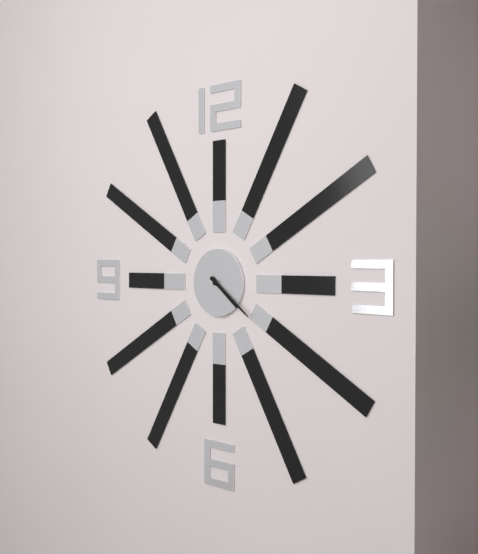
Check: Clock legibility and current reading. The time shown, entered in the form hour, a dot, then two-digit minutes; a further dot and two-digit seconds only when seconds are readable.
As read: 4.21
